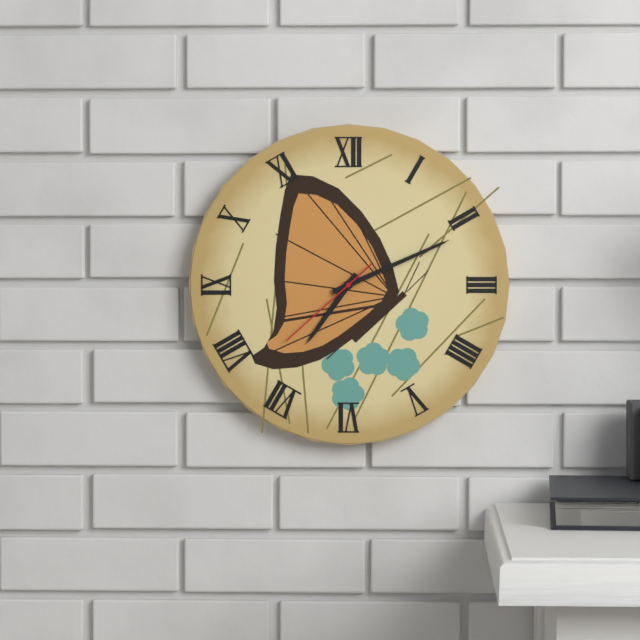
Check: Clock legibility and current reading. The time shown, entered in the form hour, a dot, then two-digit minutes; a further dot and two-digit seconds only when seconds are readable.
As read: 7.11.38
